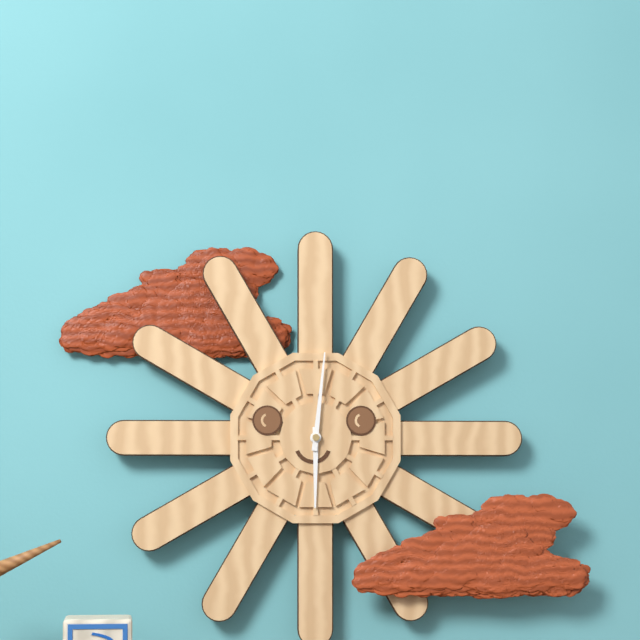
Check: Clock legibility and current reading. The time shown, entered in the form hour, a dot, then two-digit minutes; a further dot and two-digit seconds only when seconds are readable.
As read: 6.01
